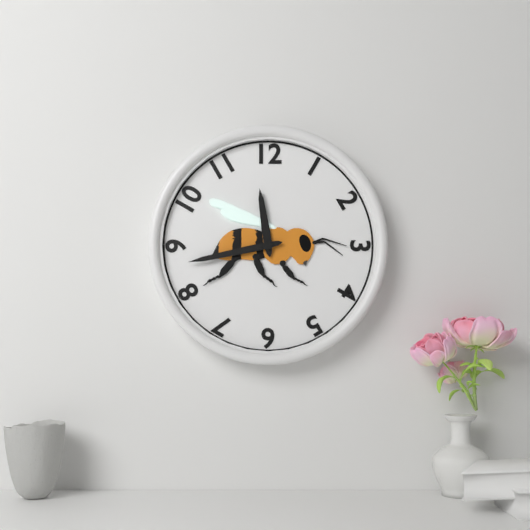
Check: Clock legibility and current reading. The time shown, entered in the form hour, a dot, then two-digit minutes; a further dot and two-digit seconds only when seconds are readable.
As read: 11.43
